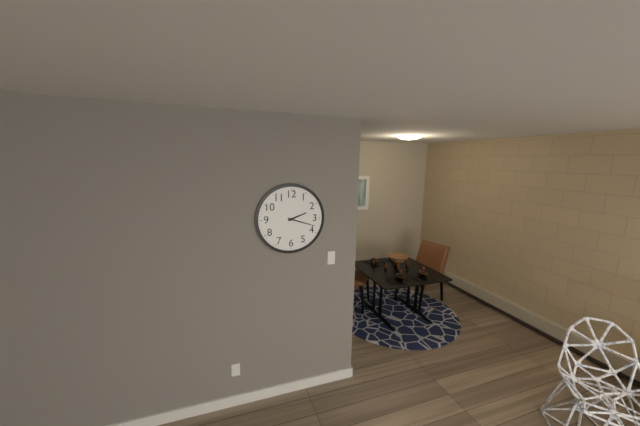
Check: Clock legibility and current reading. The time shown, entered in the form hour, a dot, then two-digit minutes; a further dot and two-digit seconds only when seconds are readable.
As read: 2.18
